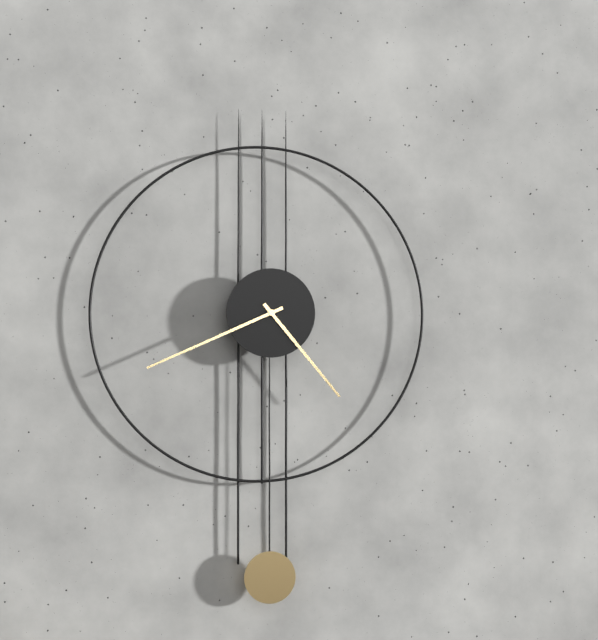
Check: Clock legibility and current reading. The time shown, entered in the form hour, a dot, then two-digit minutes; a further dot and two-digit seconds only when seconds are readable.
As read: 4.41
